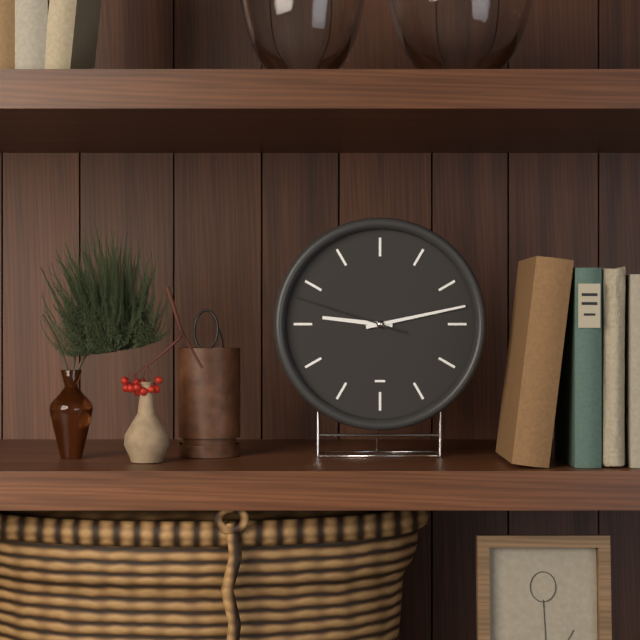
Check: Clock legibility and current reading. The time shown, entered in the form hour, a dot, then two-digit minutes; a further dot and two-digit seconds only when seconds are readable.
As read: 9.13.48
